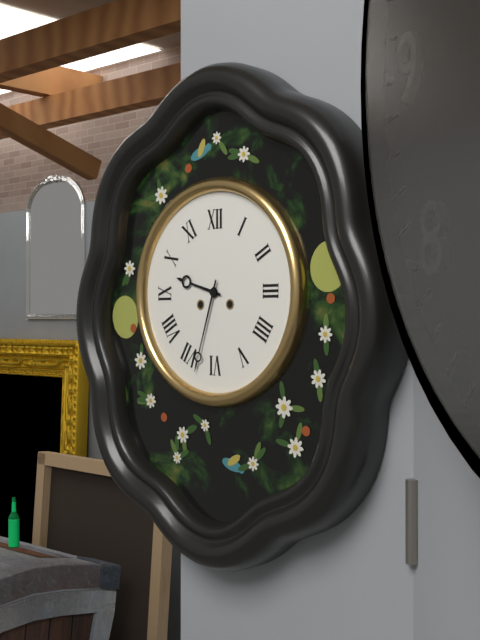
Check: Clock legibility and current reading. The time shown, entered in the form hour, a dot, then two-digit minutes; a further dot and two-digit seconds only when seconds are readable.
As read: 9.33
